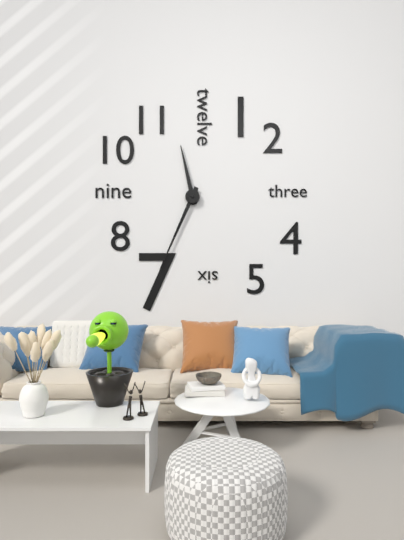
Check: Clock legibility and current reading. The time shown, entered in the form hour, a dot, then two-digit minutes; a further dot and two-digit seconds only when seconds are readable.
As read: 11.34
